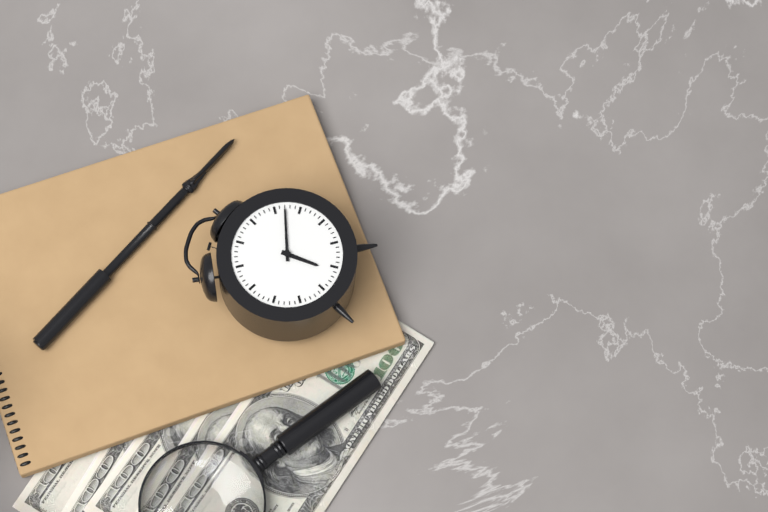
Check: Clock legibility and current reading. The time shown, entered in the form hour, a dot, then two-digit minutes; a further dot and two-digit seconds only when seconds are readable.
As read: 6.12
